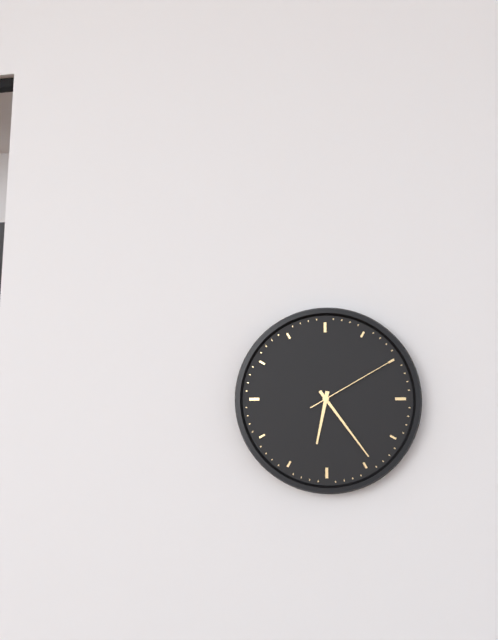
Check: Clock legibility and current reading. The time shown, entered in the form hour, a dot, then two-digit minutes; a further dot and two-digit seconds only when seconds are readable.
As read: 6.24.10
